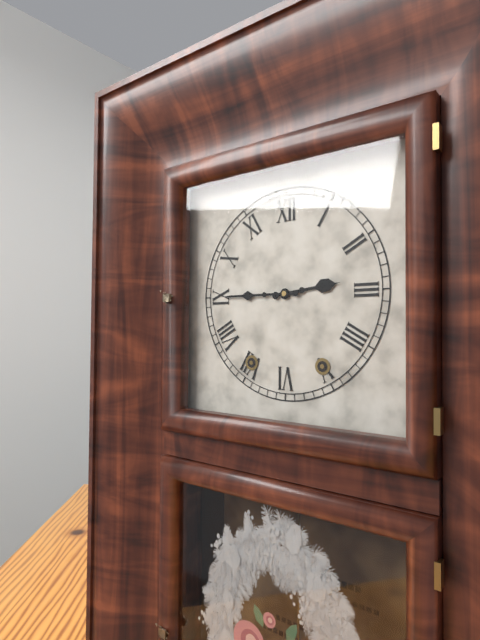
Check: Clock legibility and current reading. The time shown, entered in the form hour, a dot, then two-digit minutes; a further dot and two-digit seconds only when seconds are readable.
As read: 2.45
